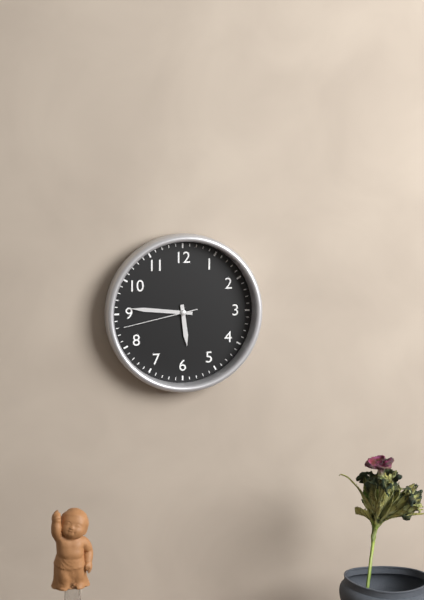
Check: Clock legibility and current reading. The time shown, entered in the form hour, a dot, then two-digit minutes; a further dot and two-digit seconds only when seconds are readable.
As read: 5.46.43
